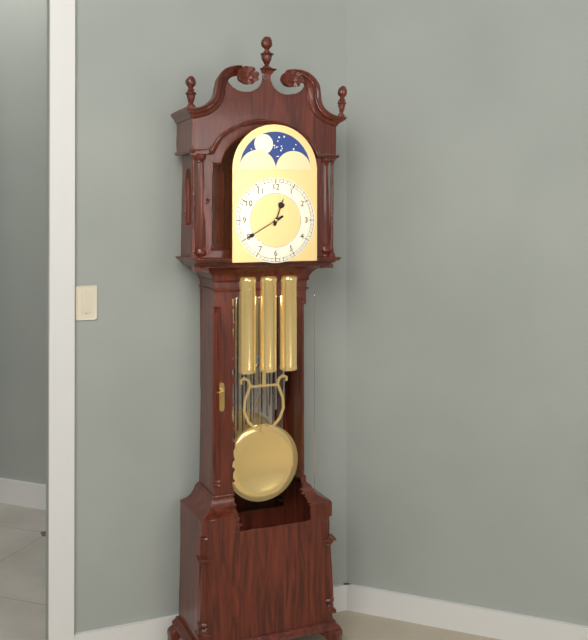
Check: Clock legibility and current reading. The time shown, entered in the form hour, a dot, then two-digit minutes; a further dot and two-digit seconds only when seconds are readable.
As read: 12.40
